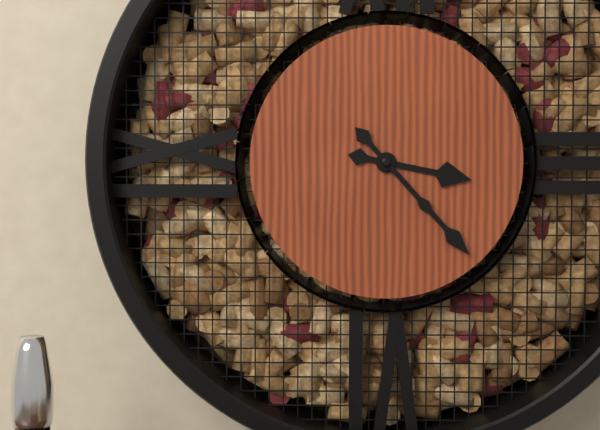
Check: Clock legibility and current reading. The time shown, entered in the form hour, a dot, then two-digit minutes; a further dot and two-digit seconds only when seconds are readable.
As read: 3.23
